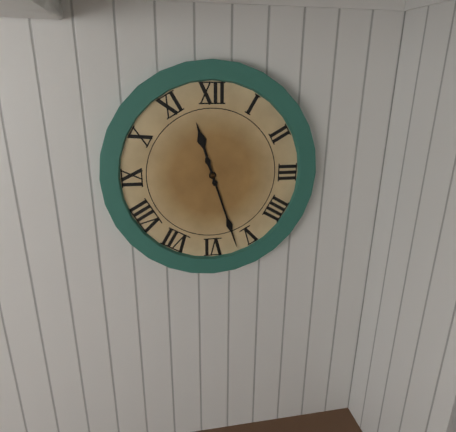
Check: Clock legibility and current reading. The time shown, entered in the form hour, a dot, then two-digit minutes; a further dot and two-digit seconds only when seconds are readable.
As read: 11.27
